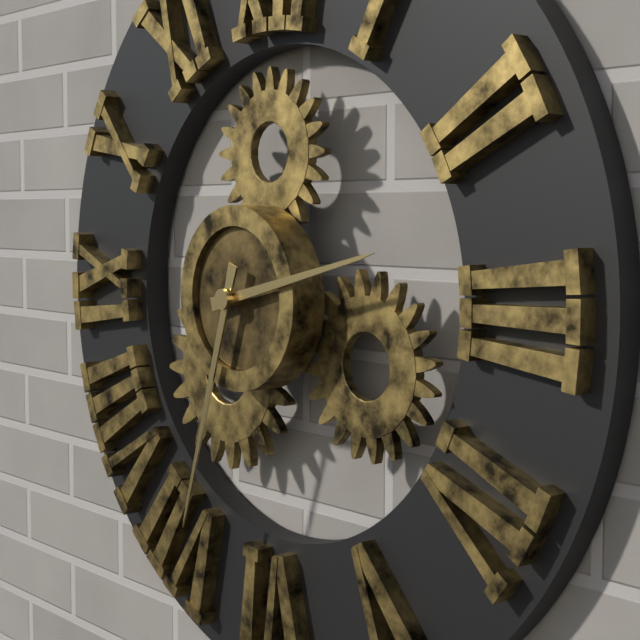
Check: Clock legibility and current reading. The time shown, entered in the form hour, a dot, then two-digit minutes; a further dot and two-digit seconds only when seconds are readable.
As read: 2.33
